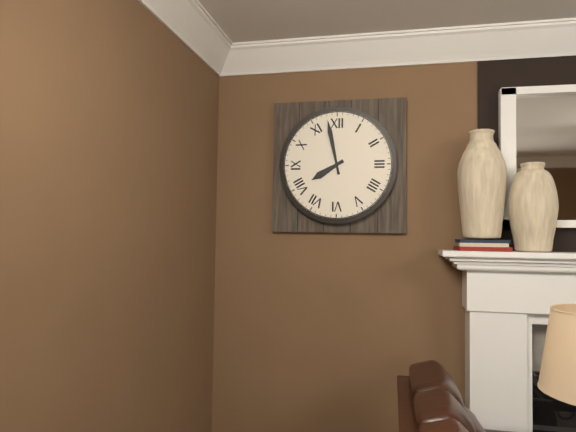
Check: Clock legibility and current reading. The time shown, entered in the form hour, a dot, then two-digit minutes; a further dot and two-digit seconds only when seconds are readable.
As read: 7.58
